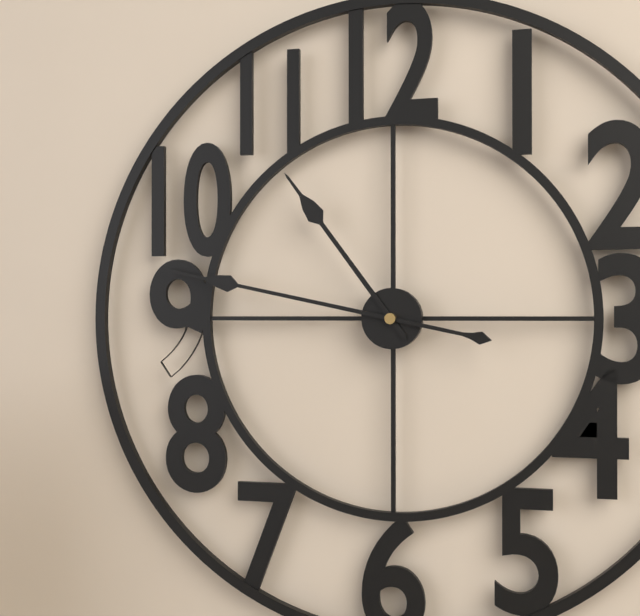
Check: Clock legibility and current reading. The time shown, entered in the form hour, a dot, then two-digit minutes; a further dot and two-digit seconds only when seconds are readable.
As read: 10.47
